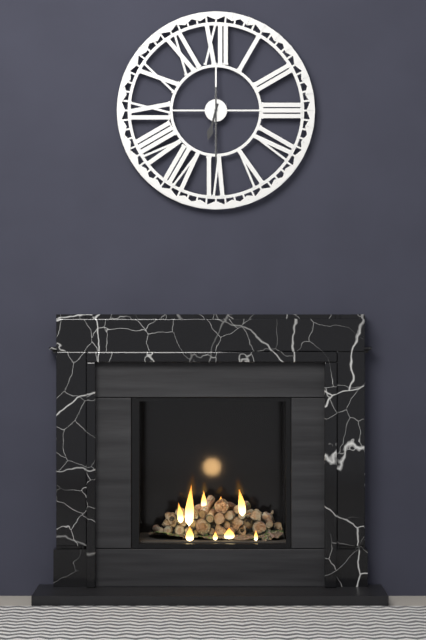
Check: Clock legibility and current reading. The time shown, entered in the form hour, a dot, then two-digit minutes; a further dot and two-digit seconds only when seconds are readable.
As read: 6.30
